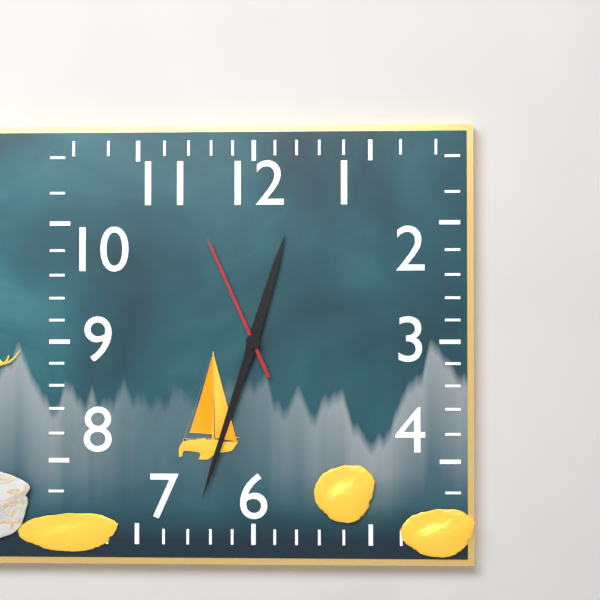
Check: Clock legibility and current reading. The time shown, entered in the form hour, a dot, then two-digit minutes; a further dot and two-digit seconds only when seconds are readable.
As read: 12.33.56
